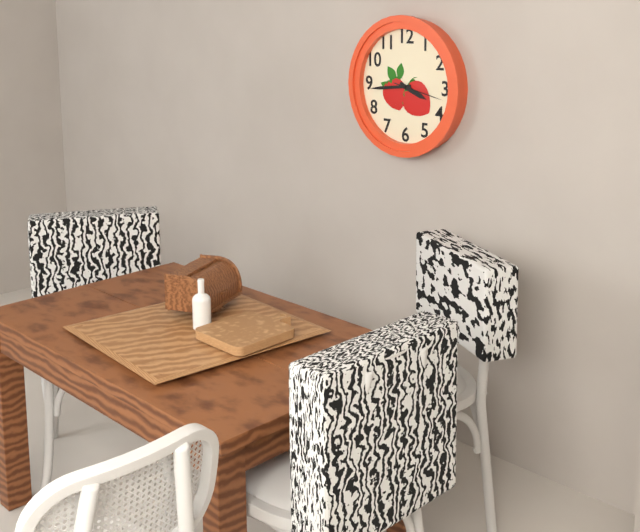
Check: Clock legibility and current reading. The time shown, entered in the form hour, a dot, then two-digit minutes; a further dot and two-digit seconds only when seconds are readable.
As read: 3.44
